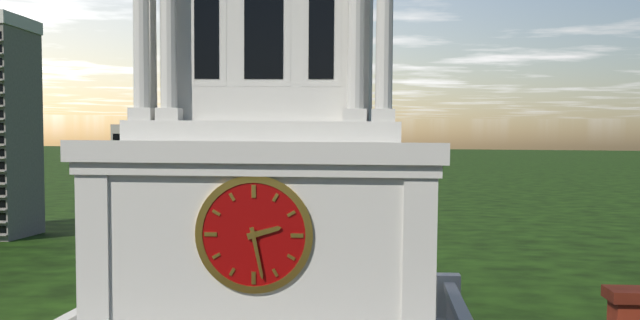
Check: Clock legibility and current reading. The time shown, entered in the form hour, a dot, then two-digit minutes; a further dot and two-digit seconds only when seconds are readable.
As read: 2.28
